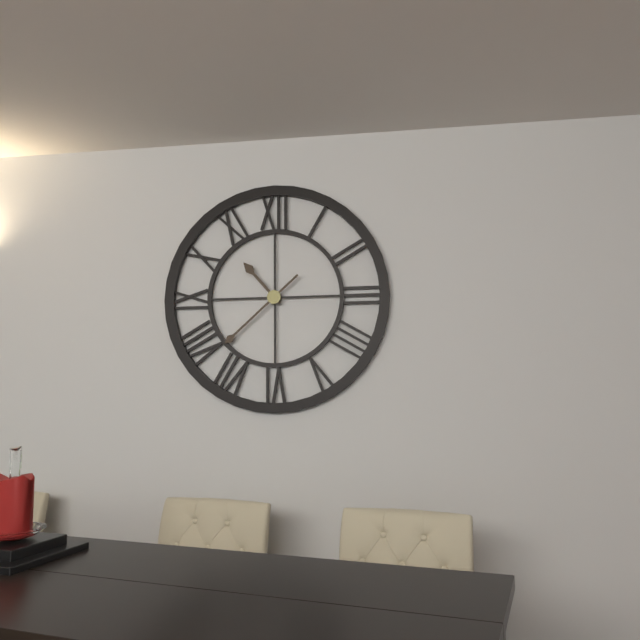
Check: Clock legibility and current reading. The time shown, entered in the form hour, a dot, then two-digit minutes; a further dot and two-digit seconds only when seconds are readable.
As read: 10.38
